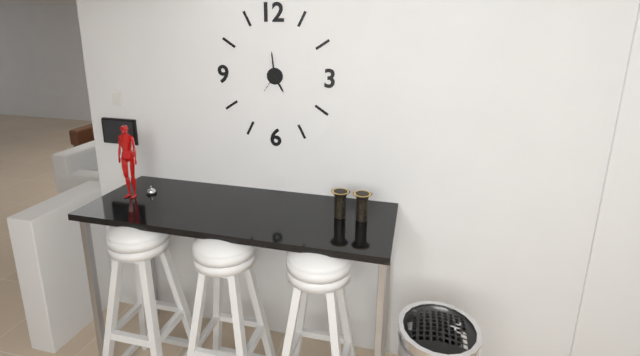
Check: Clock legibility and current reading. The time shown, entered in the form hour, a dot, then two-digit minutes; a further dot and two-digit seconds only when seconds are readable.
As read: 4.59
